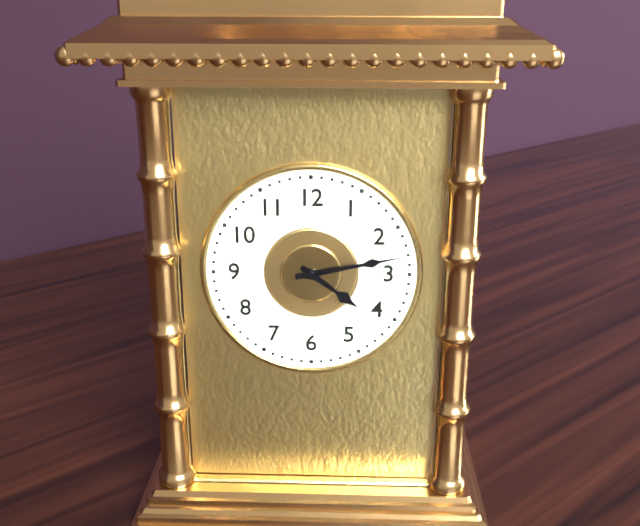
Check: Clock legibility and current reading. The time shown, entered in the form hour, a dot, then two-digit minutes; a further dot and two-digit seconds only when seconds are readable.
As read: 4.13
